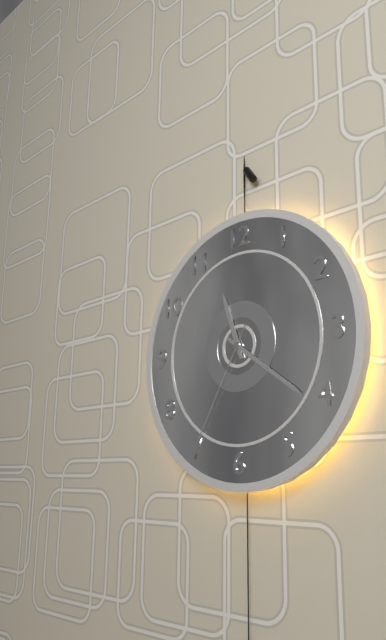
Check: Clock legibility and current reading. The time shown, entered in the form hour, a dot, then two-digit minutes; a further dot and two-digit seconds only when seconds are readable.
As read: 11.21.35
